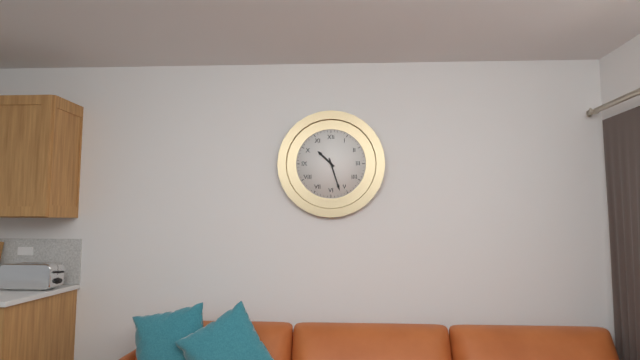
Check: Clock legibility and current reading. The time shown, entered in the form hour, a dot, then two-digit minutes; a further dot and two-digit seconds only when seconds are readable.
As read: 10.27
